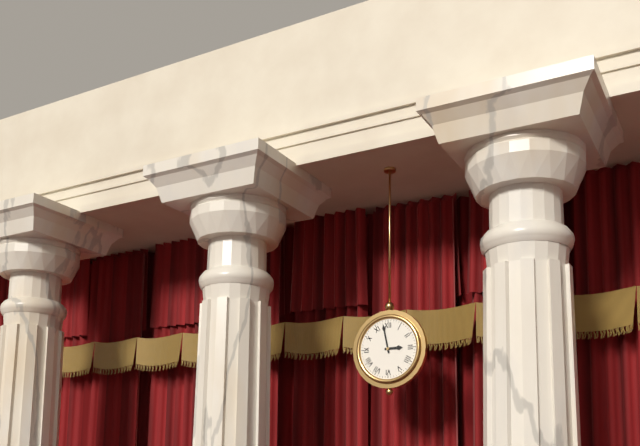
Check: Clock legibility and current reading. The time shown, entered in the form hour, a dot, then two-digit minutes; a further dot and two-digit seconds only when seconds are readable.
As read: 2.58
